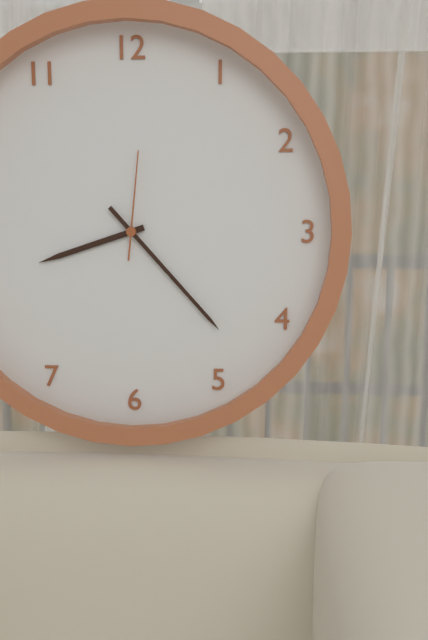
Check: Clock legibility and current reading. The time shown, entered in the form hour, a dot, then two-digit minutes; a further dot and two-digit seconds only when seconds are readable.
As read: 8.23.01
